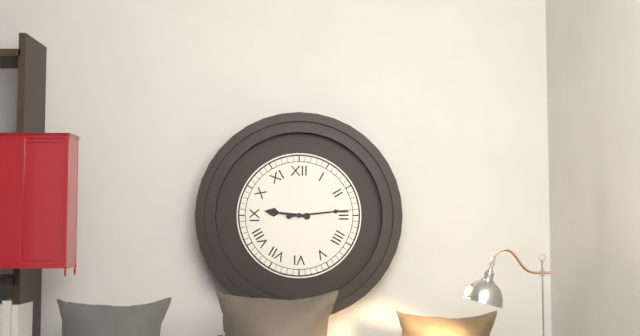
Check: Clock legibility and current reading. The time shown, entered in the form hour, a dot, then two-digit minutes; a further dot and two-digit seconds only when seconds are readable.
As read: 9.14
